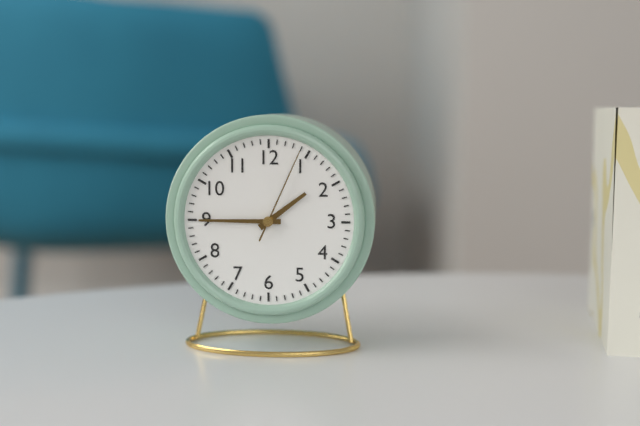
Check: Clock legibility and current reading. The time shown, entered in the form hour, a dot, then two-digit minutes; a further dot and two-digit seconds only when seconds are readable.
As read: 1.45.04
